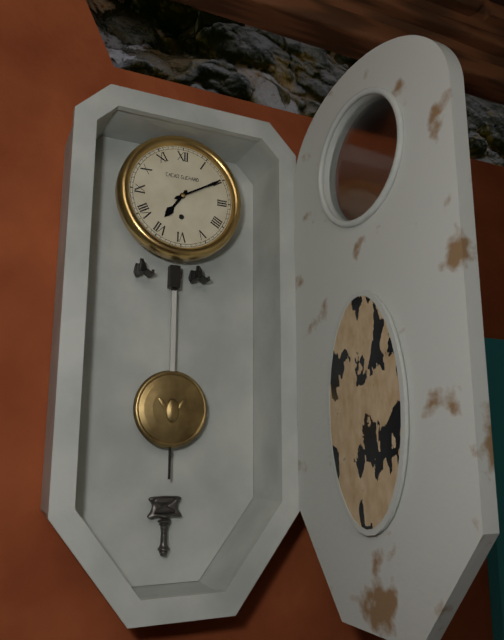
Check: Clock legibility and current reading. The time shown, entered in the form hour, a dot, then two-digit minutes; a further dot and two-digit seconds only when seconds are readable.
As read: 7.10
